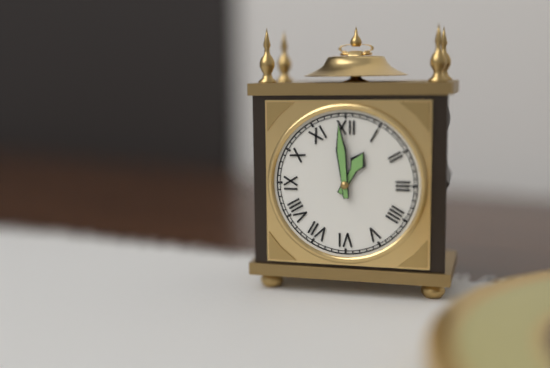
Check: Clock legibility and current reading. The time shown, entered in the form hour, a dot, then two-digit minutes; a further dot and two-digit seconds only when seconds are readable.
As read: 12.59
